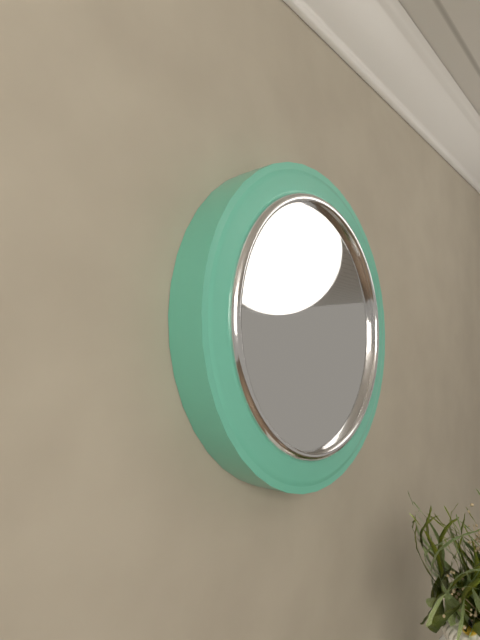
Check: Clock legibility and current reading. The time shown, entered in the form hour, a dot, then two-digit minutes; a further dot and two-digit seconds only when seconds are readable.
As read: 12.55
